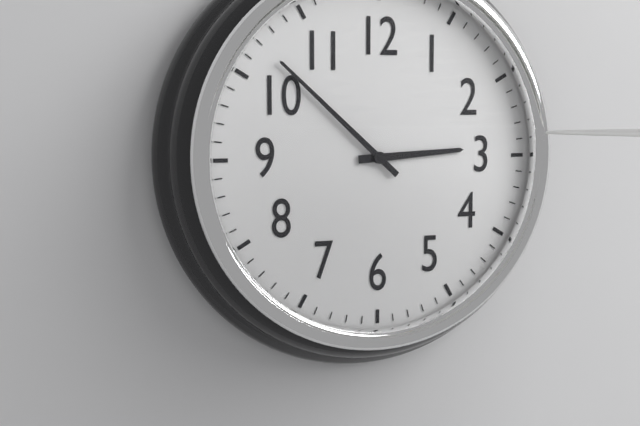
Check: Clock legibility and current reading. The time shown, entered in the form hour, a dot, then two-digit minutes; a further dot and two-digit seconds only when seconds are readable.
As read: 2.52
